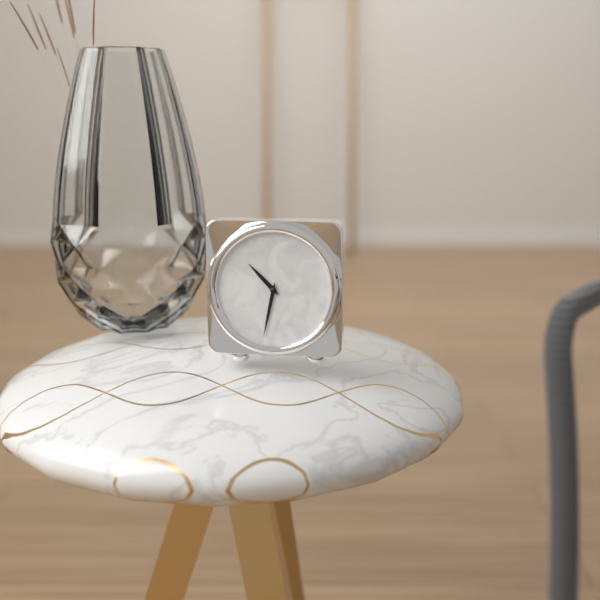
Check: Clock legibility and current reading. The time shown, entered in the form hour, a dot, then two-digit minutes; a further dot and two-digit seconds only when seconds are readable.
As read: 10.32
